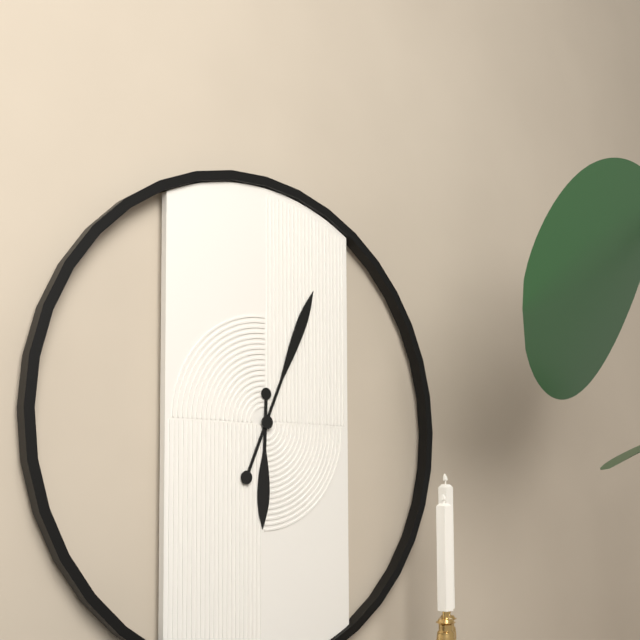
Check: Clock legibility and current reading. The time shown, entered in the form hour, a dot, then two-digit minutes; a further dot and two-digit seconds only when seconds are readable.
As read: 6.04
